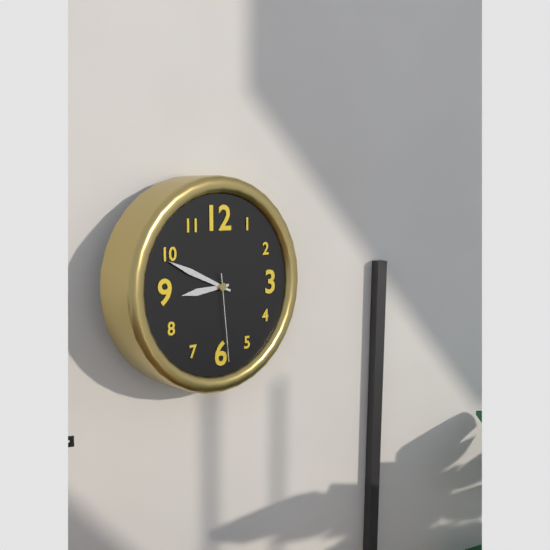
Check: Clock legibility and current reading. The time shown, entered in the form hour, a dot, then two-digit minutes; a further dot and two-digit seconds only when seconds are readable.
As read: 8.49.29
